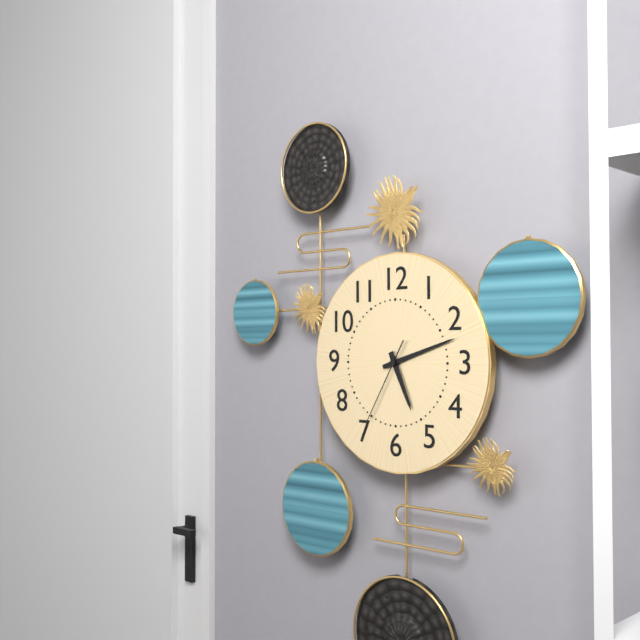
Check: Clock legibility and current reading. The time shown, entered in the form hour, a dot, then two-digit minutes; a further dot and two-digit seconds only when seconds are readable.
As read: 5.12.35
